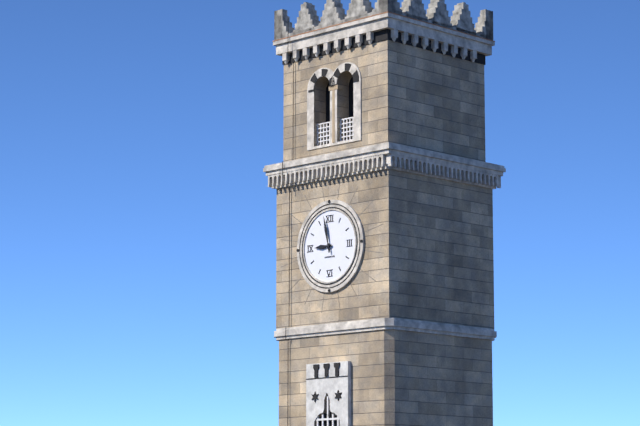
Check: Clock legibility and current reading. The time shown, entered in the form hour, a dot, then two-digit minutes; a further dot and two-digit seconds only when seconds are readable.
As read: 8.58
